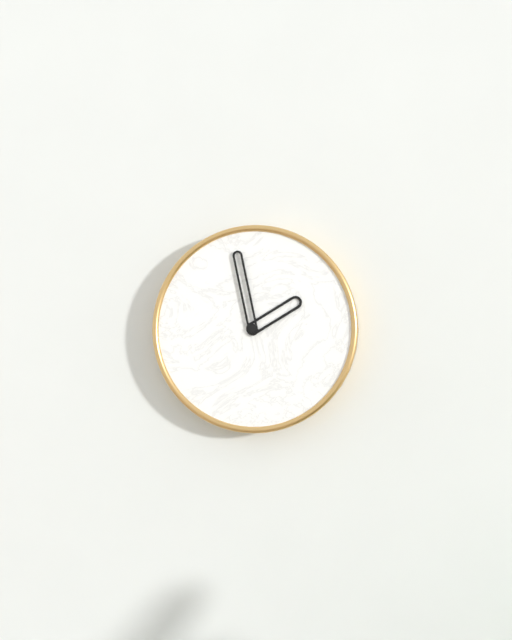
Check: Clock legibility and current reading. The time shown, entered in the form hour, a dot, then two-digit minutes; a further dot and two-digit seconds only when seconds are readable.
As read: 1.58
